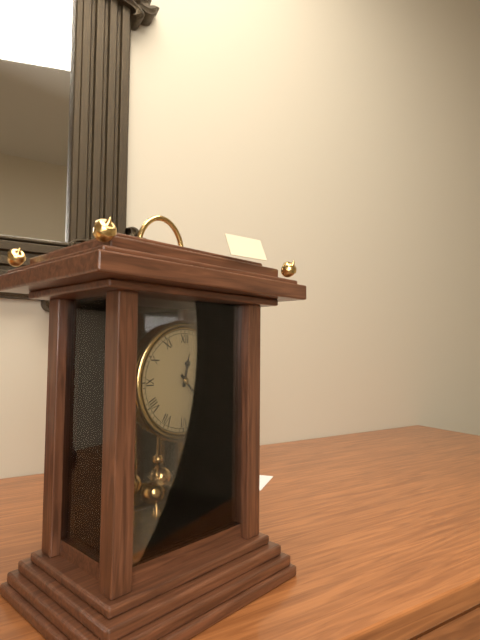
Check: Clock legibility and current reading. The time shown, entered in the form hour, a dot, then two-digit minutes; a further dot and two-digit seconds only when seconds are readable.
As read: 12.23
